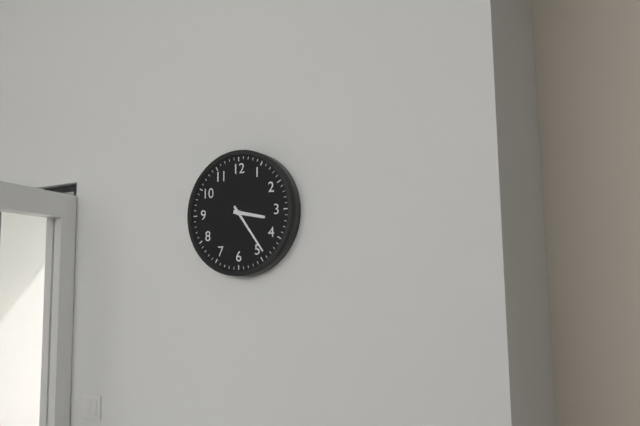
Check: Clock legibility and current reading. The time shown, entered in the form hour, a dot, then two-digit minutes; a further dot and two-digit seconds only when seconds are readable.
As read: 3.24
